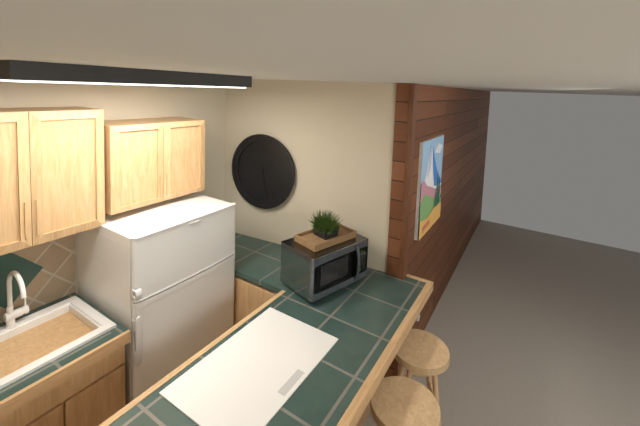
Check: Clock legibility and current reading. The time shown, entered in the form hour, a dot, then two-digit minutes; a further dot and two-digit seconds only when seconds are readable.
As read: 1.28
